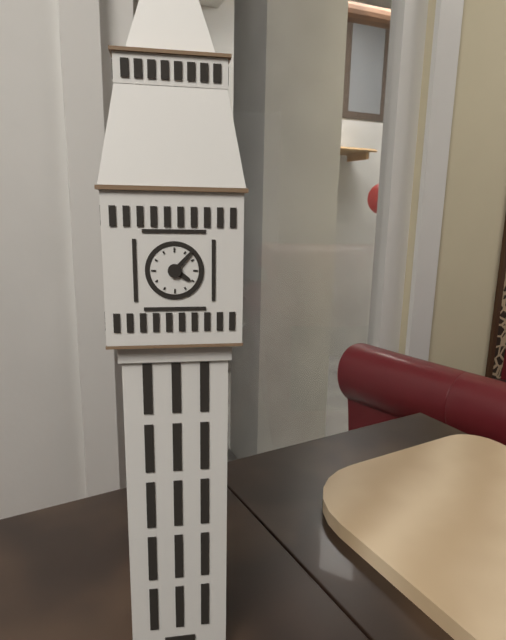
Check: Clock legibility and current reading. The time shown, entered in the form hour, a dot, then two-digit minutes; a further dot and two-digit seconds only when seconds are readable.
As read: 4.07
